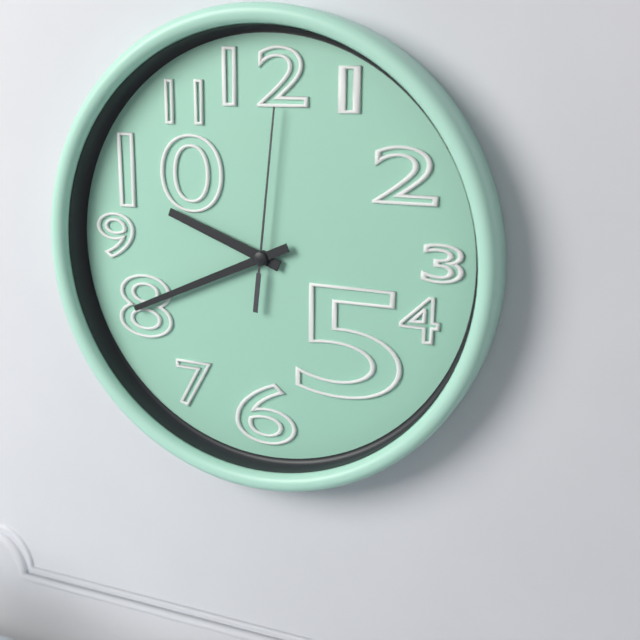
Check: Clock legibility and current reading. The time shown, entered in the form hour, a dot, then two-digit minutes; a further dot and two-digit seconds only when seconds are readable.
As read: 9.41.01
